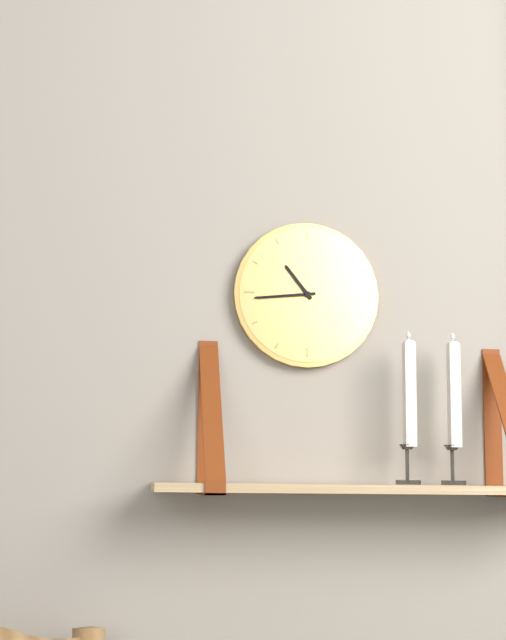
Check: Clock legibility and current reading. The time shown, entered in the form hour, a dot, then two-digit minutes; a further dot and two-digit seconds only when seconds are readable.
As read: 10.44
